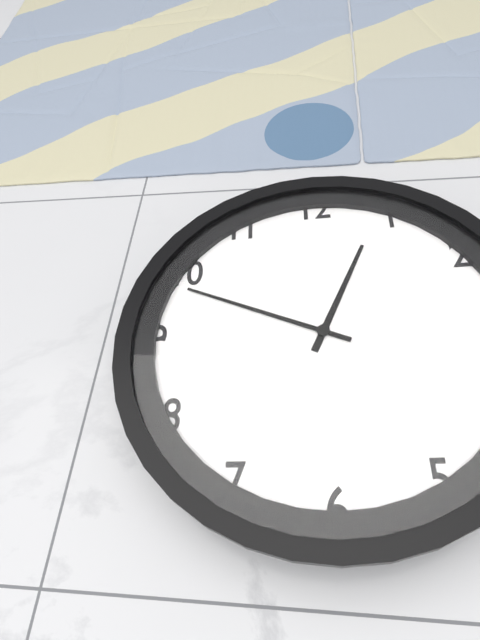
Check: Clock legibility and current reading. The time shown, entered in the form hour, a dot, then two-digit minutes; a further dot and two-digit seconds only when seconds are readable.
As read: 12.49
